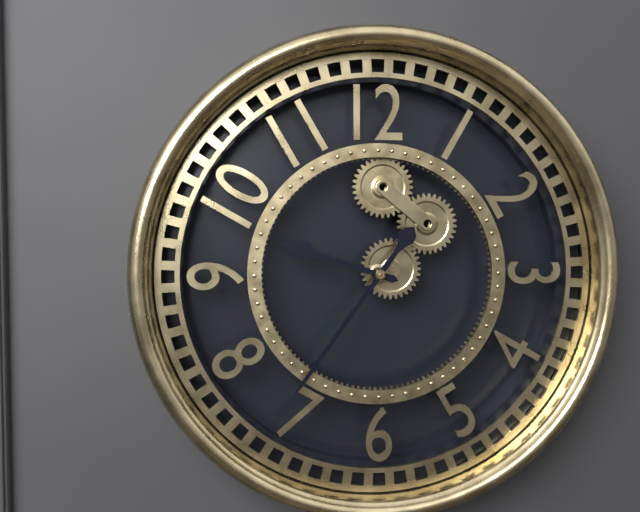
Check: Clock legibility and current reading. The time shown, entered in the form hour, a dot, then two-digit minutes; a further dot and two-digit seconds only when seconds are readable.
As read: 9.36
